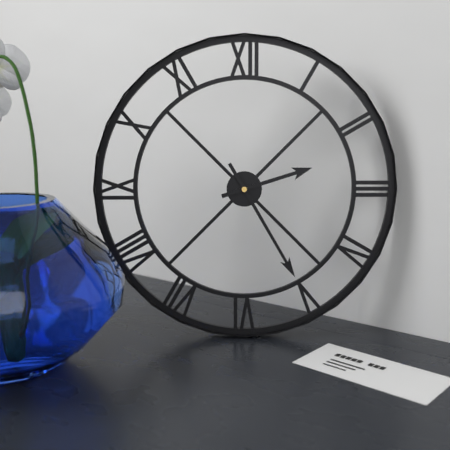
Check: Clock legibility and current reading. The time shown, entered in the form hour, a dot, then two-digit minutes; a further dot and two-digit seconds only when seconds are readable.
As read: 2.25
